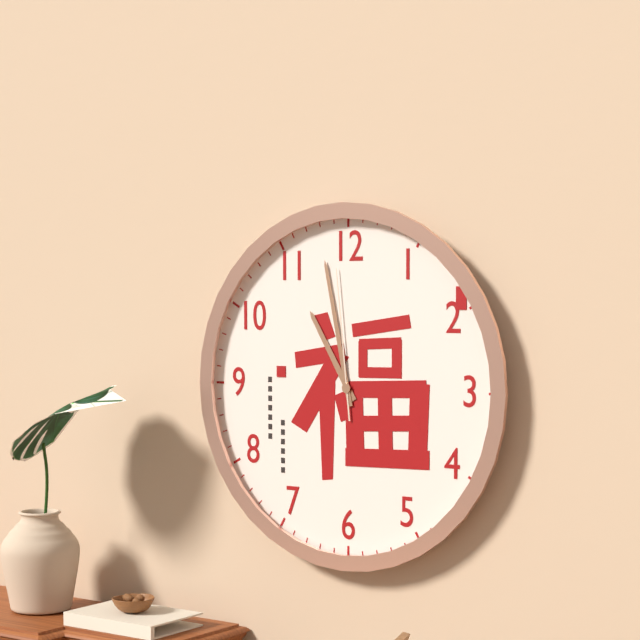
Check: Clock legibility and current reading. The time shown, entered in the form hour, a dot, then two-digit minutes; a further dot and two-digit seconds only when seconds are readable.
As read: 10.58.59
